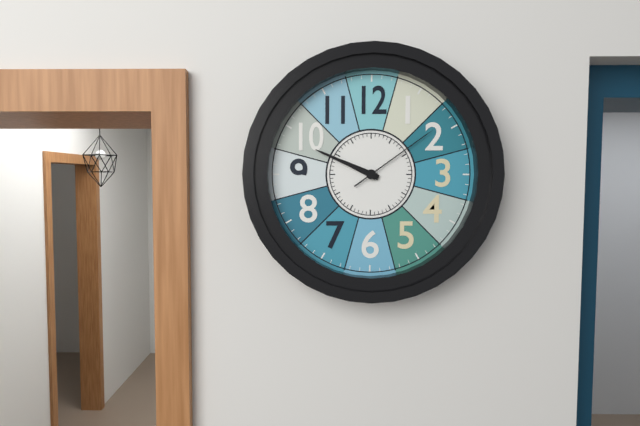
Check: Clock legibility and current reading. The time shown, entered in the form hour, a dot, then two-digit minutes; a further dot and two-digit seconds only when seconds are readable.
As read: 9.49.09
